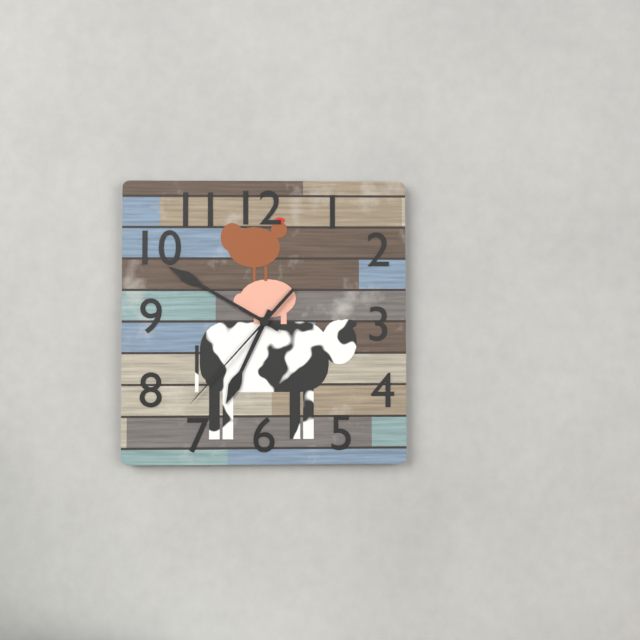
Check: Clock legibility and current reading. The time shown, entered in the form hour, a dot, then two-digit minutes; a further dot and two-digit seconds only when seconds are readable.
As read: 6.50.37
